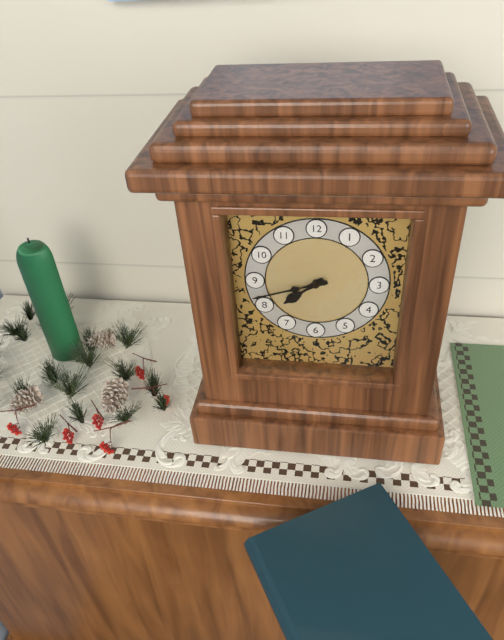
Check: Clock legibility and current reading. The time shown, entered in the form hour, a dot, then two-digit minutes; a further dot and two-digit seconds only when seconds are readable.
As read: 7.42
